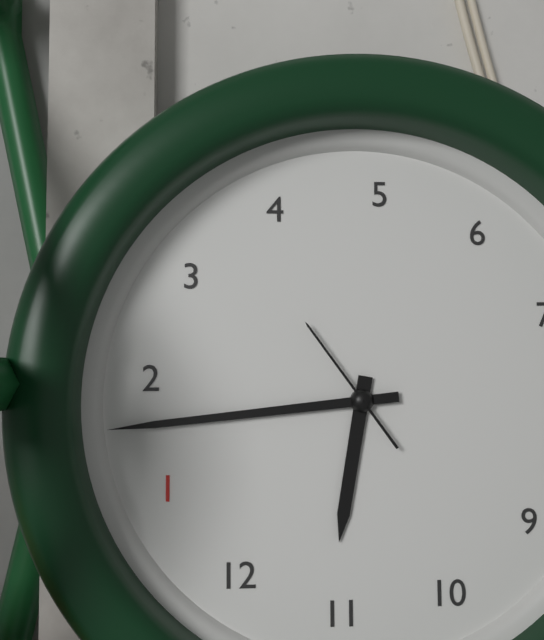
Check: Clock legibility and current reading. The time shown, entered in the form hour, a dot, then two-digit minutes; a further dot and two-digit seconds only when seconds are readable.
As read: 11.08.18
